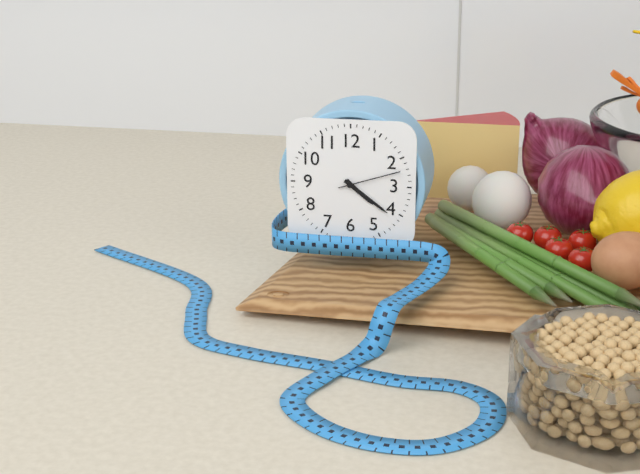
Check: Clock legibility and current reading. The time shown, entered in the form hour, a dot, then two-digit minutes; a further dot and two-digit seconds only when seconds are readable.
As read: 4.21.12
